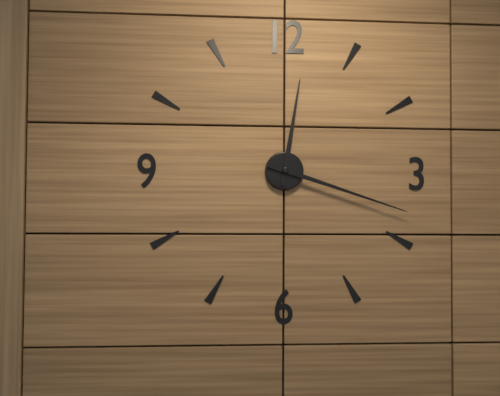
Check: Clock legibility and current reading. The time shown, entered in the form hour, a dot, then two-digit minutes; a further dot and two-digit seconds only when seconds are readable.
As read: 12.18
